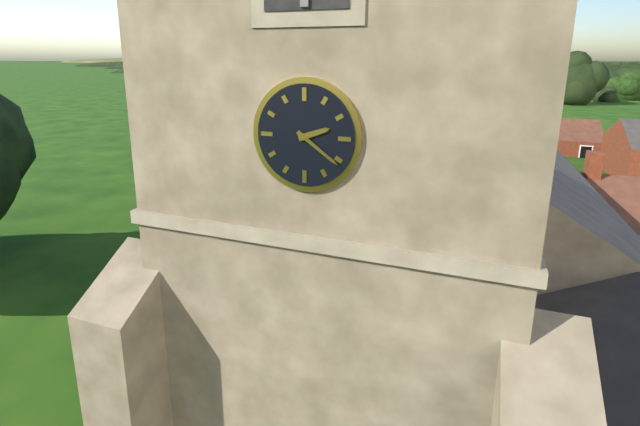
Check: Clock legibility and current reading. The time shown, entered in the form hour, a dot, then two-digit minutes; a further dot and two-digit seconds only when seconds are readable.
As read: 2.21
